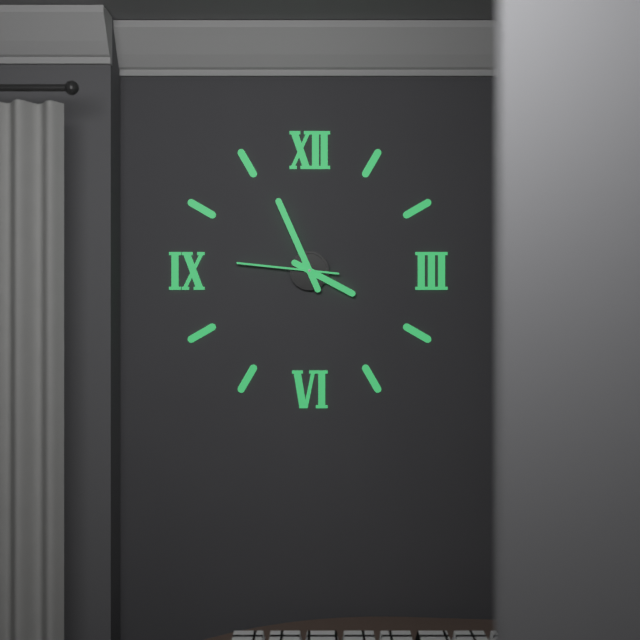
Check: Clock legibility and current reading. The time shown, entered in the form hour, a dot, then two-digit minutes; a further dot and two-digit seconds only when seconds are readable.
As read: 3.56.46
